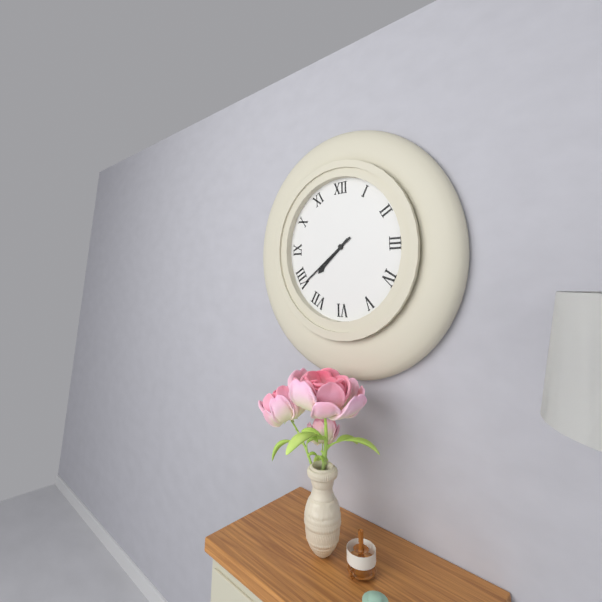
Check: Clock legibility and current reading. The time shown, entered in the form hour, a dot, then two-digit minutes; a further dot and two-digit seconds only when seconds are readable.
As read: 7.39
